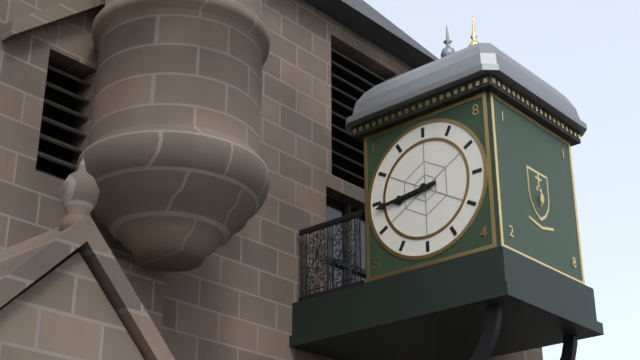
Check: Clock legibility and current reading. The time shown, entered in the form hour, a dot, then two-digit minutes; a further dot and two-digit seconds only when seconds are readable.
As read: 8.44
